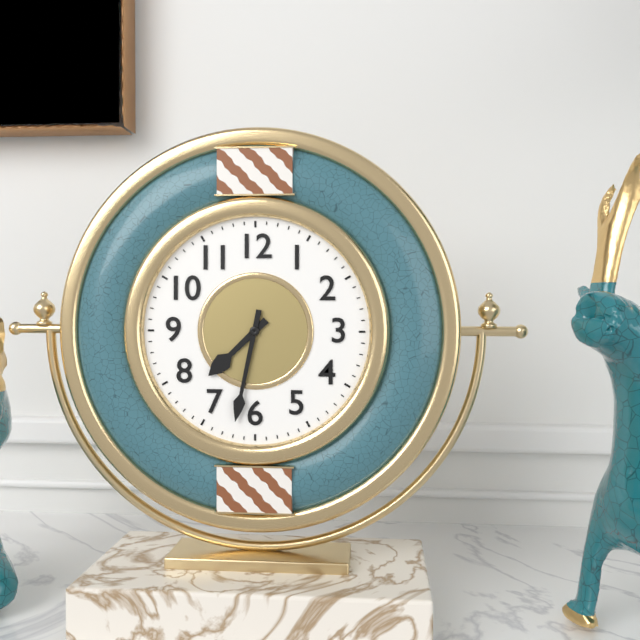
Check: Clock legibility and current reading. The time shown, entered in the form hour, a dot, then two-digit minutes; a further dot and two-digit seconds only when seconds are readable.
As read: 7.32
